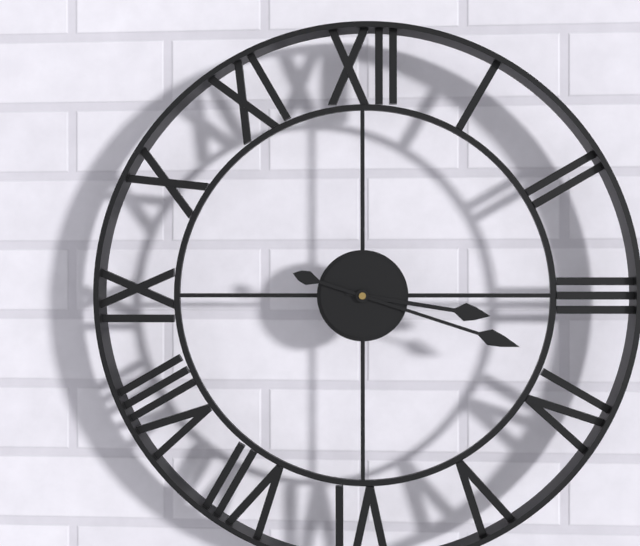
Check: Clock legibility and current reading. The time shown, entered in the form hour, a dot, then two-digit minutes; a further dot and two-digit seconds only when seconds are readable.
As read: 3.18
